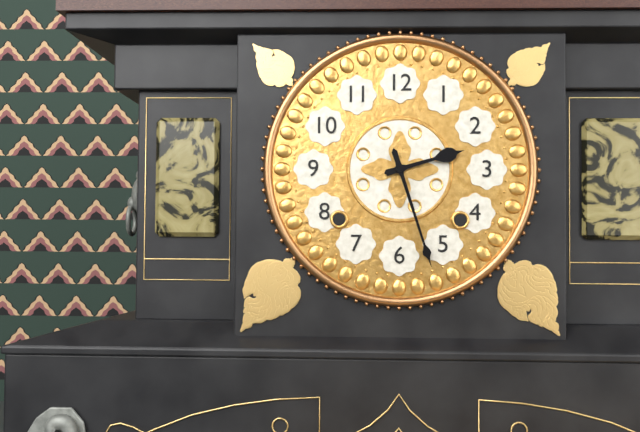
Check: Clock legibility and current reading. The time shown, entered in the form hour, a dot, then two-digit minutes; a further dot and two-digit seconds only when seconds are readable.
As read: 2.27
